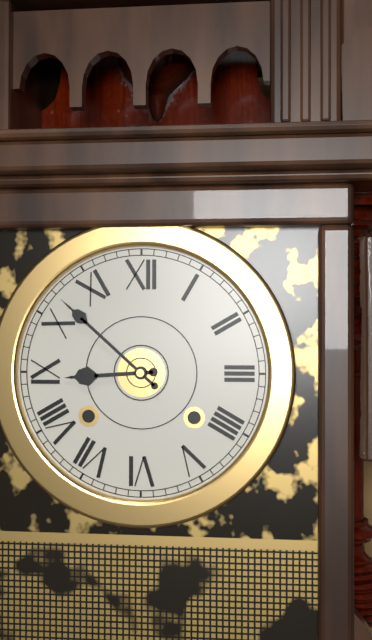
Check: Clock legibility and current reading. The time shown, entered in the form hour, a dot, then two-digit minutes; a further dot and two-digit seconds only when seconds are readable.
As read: 8.52
